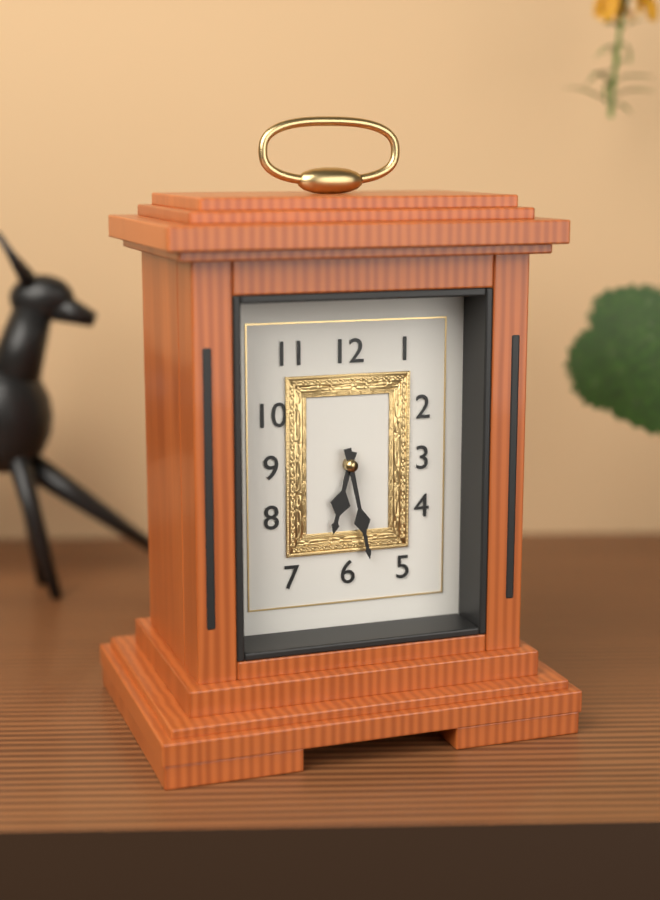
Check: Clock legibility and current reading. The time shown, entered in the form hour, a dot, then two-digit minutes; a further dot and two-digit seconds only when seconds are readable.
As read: 6.28
